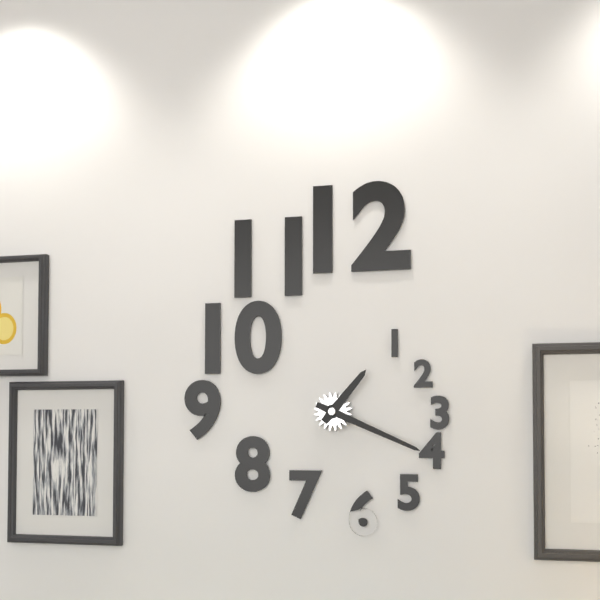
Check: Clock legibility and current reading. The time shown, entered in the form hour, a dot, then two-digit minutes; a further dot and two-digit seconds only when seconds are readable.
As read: 1.19
